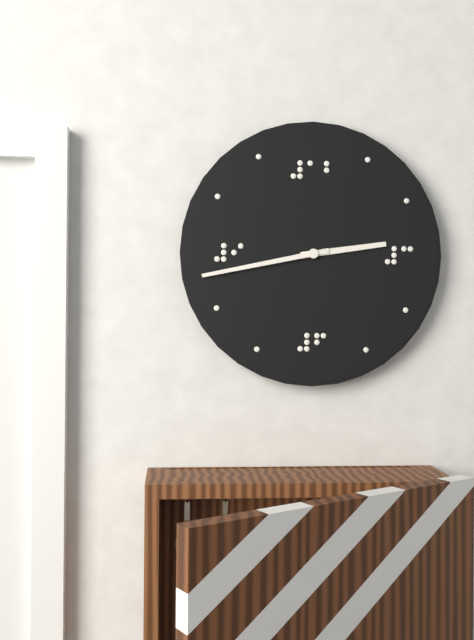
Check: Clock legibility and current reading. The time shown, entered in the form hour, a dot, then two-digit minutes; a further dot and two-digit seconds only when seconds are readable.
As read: 2.43
